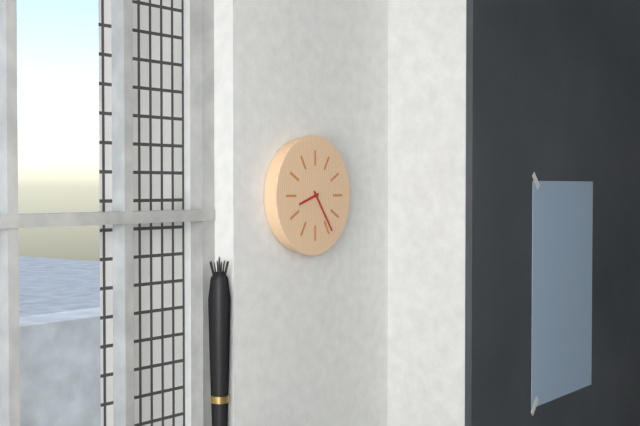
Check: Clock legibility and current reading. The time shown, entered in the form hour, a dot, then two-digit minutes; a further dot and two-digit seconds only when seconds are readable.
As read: 8.24
